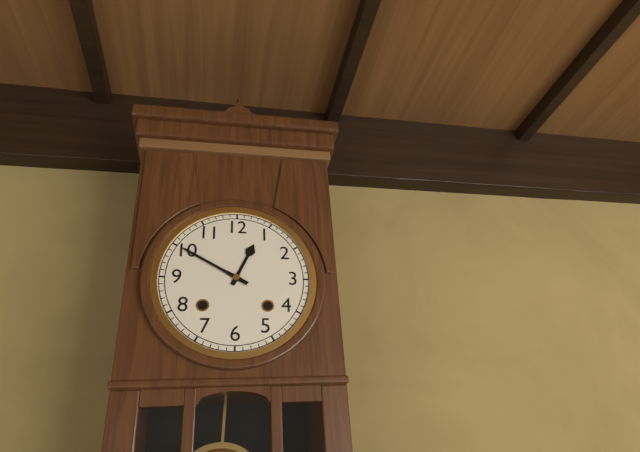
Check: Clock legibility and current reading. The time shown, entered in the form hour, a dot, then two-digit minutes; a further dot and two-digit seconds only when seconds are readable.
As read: 12.50
